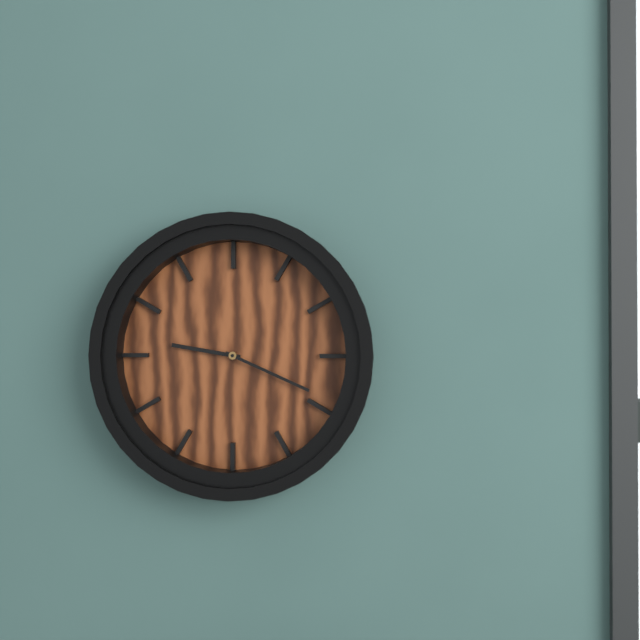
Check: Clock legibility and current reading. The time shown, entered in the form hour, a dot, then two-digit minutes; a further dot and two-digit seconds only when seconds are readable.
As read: 9.19
